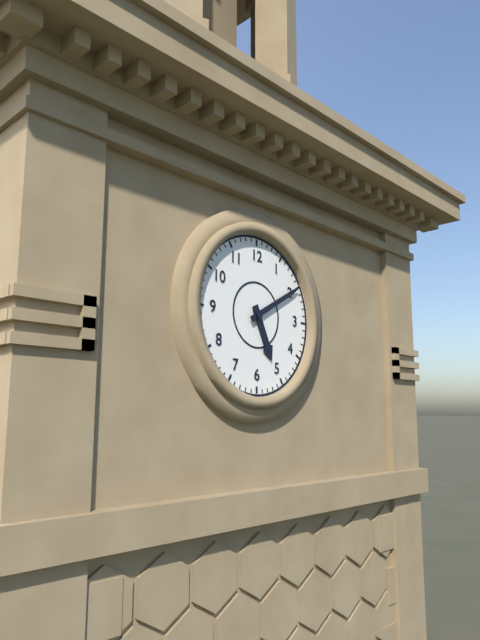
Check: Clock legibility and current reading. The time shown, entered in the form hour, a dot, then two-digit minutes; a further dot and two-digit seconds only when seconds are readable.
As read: 5.10
